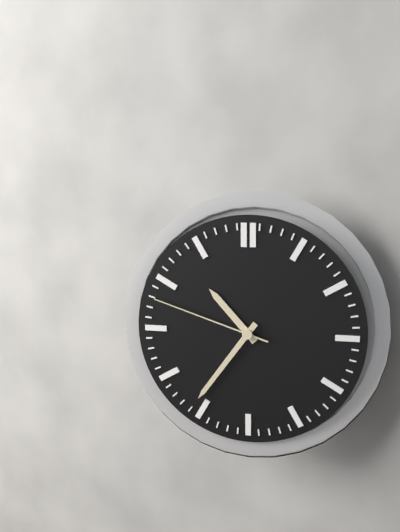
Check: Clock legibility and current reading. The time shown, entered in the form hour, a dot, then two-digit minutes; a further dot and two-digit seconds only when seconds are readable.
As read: 10.36.48
